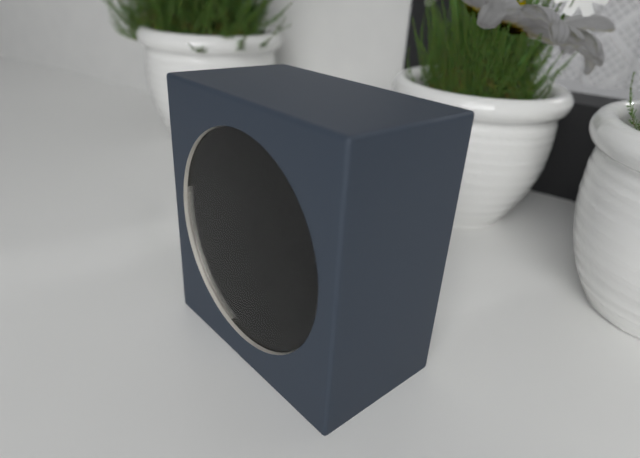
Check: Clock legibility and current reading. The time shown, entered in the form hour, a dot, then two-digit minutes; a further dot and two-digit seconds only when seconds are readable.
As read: 6.53.33
